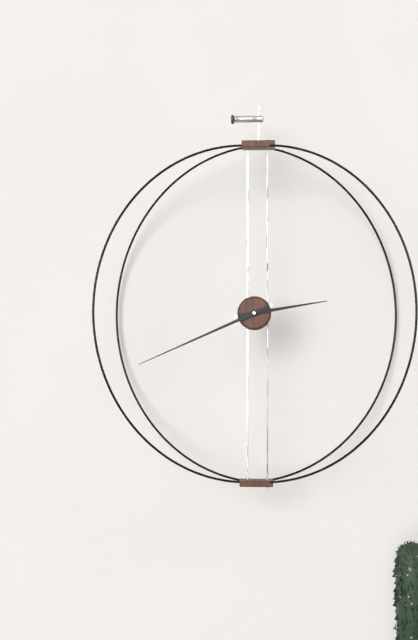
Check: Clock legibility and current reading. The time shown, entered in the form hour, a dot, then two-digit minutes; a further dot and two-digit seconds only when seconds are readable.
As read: 2.41
